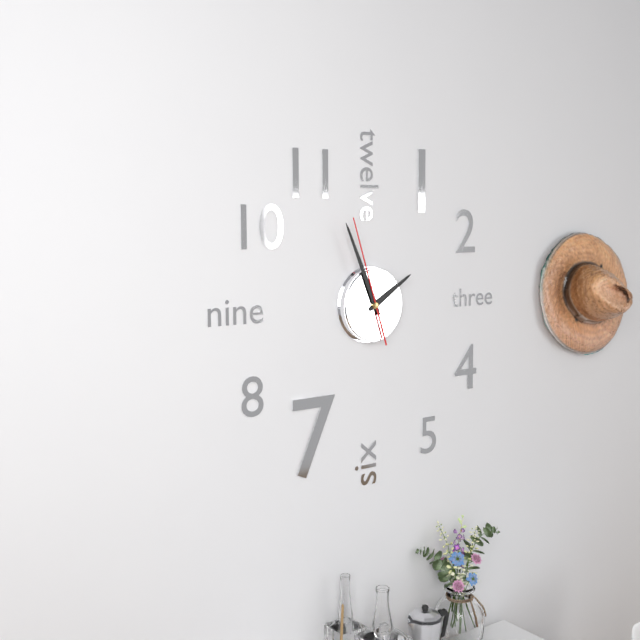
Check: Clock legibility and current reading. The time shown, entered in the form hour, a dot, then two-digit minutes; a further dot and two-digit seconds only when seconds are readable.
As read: 1.56.57
